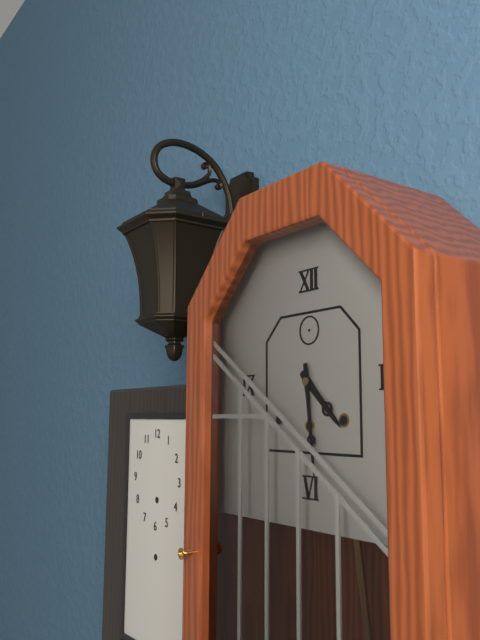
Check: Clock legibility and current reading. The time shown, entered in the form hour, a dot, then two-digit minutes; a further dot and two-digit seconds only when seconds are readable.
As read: 4.29
